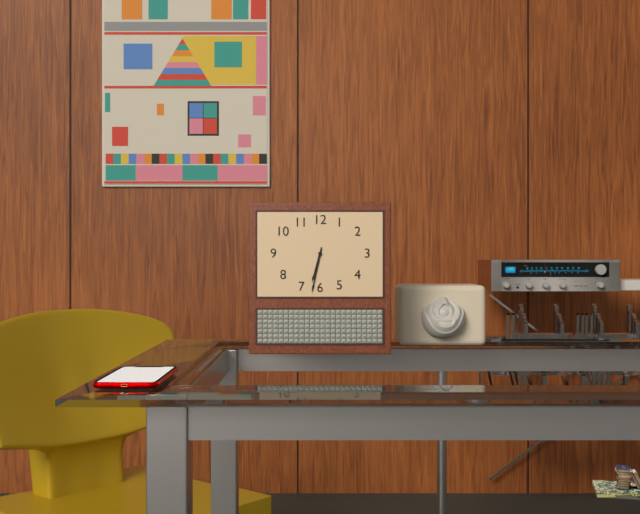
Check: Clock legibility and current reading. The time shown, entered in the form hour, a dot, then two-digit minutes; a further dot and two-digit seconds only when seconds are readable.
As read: 6.32
